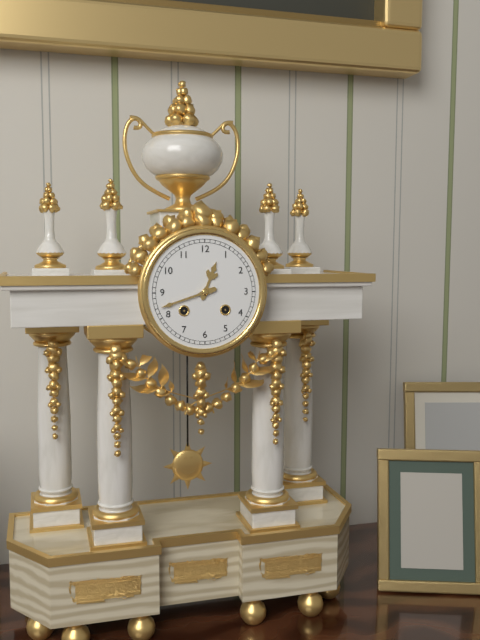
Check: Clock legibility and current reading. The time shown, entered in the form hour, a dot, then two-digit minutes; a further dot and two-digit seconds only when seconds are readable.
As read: 12.42
